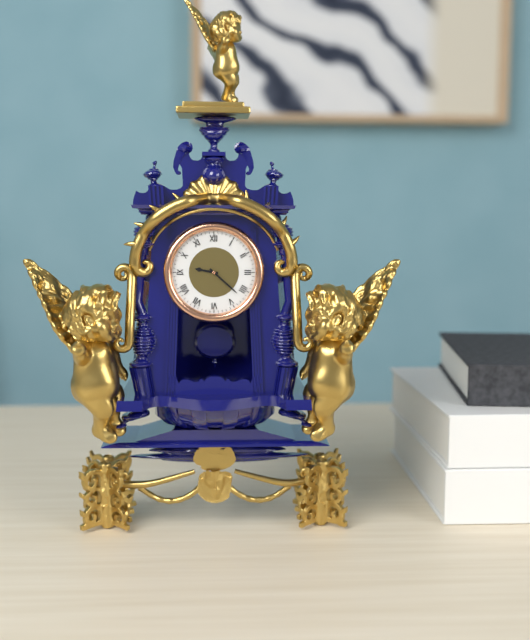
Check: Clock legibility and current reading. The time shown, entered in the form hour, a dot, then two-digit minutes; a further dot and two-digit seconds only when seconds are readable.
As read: 9.22
